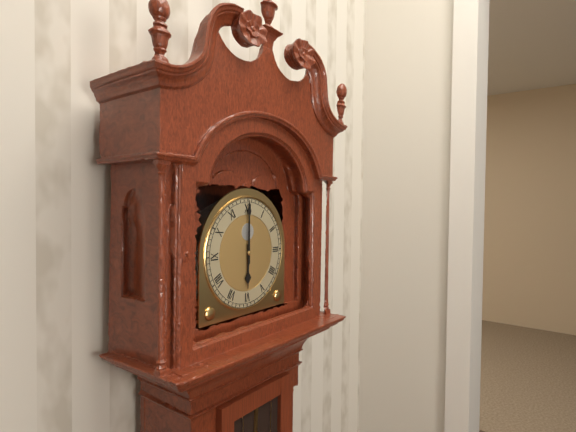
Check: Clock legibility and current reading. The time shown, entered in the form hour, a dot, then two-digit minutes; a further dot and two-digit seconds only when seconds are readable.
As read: 6.00
